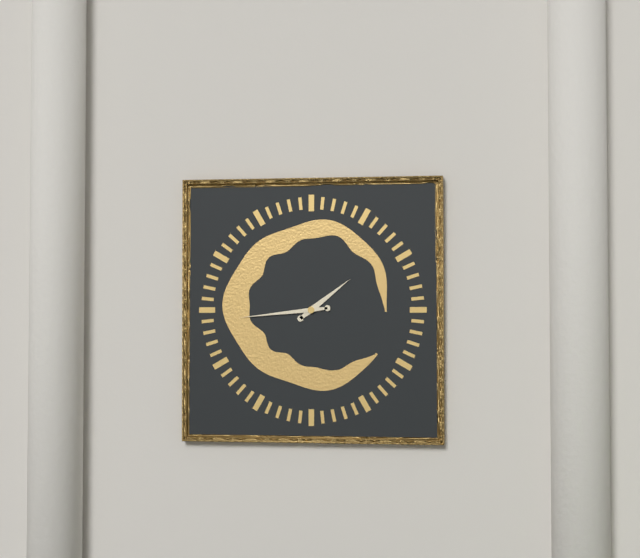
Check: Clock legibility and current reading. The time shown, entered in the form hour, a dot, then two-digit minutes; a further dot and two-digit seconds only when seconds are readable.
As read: 1.44
